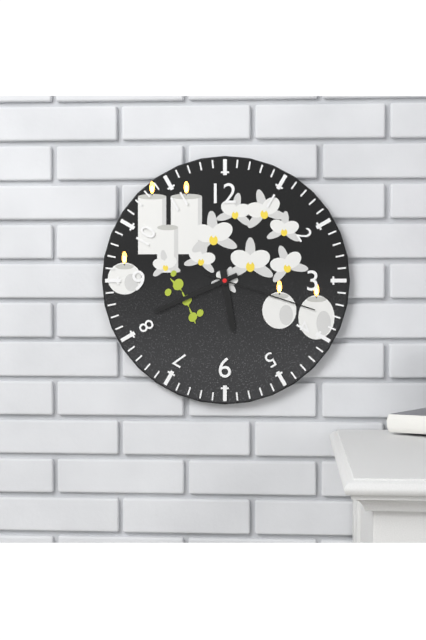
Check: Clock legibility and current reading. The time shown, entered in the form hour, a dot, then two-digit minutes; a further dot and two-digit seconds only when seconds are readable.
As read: 5.41.18
